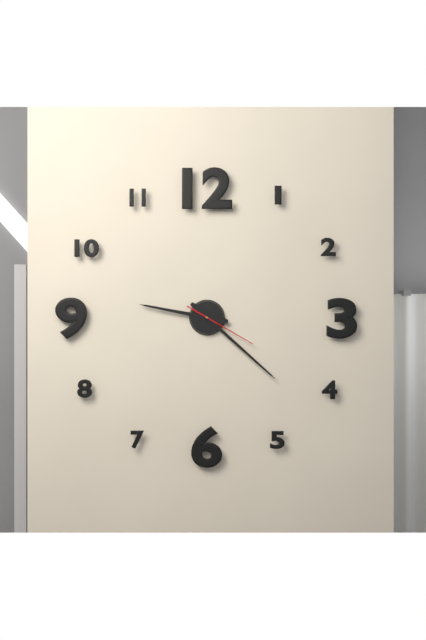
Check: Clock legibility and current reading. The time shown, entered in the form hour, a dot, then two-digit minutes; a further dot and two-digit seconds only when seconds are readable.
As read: 9.22.20
